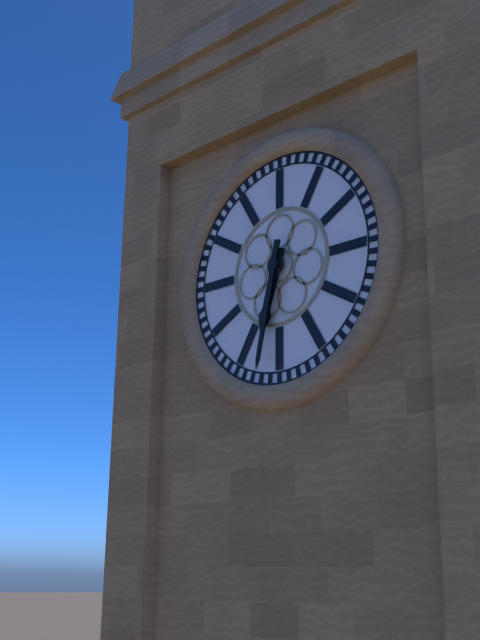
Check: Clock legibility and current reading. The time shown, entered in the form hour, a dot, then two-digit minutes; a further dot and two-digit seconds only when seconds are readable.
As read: 6.32
